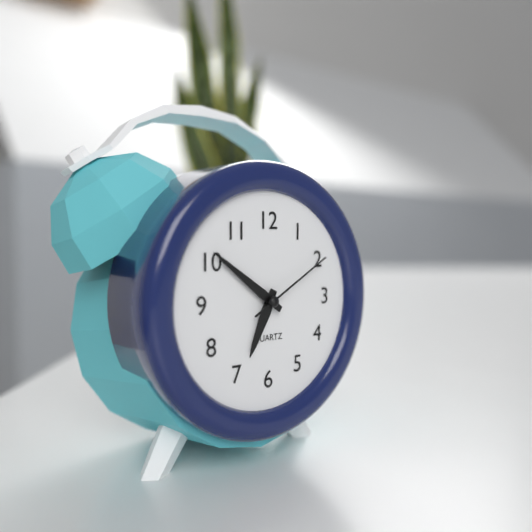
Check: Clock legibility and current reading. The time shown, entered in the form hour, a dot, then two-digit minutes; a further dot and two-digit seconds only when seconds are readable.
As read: 6.51.10
